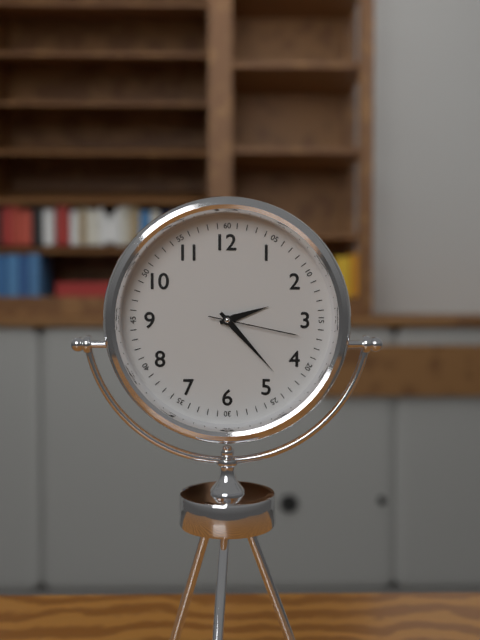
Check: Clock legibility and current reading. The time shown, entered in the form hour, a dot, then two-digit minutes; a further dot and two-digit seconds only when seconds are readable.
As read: 2.23.17
